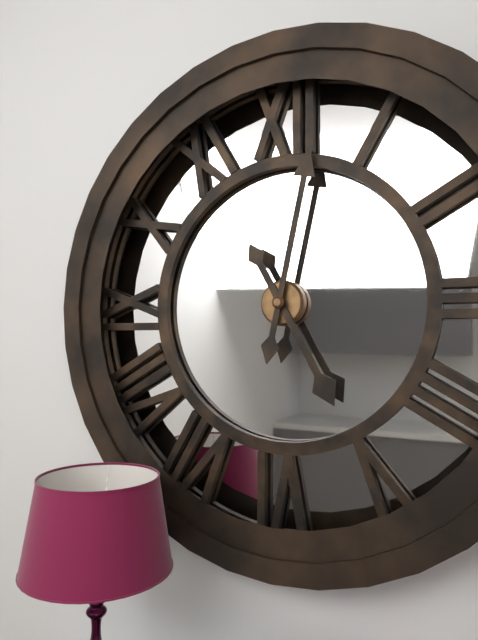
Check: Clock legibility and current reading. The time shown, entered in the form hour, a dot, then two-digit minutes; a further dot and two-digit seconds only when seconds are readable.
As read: 5.02
